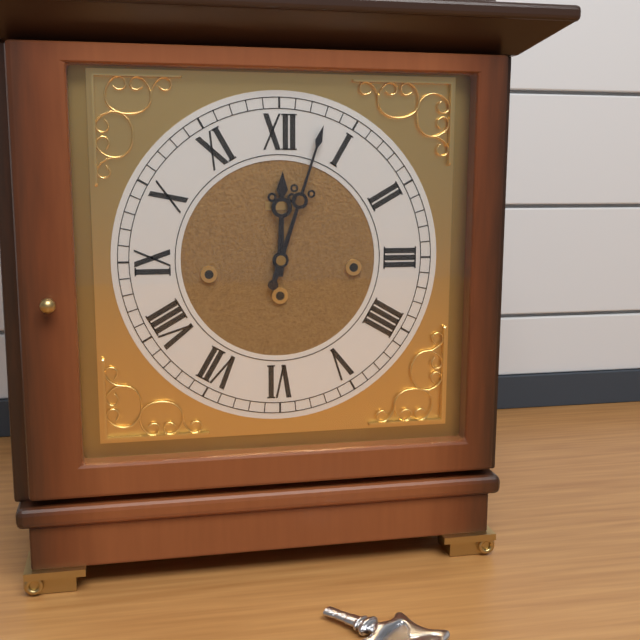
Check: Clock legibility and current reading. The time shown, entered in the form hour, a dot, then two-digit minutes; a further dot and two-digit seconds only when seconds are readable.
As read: 12.03
